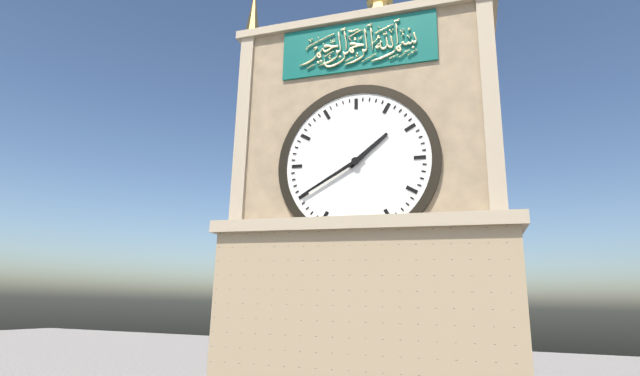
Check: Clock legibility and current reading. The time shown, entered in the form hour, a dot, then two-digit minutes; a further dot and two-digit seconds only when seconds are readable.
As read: 1.40
